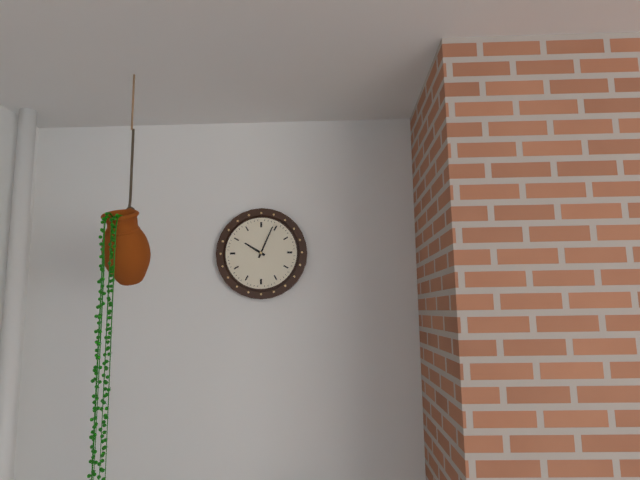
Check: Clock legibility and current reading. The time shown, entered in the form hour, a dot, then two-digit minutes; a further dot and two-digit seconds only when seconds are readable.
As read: 10.04
